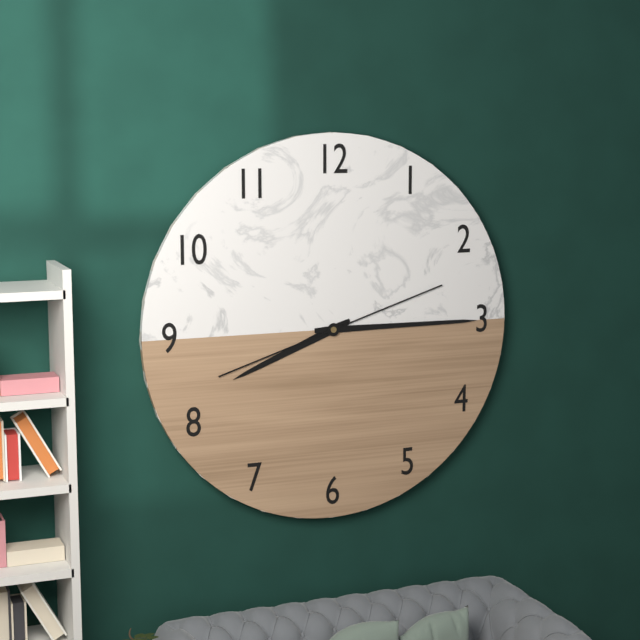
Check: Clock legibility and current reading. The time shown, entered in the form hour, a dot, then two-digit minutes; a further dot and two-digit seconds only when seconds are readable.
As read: 8.15
